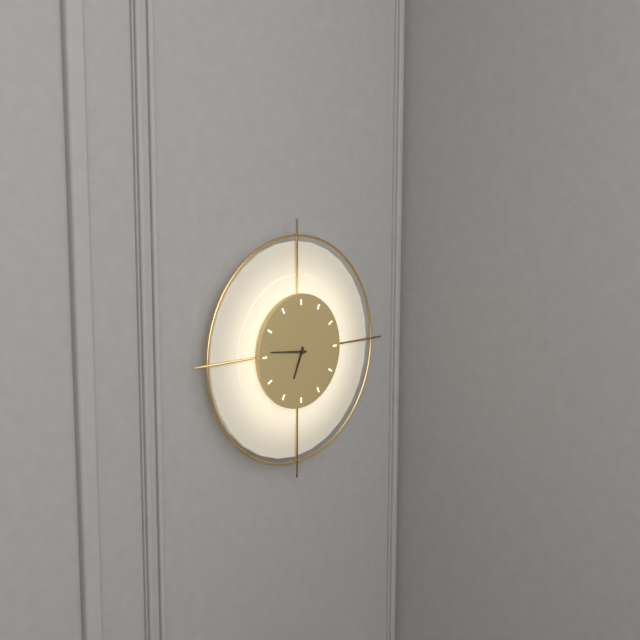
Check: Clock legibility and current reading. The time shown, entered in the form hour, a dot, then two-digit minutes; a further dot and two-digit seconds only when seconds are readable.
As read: 6.46
